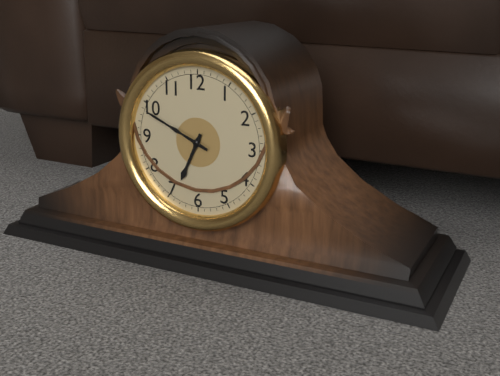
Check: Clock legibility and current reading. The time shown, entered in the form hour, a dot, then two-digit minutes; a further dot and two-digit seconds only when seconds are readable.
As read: 6.49
